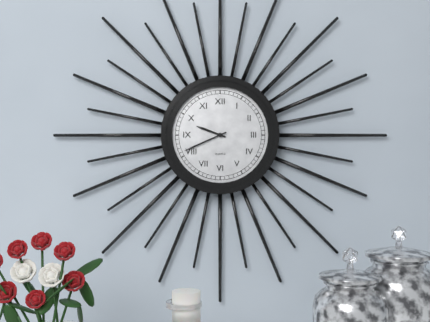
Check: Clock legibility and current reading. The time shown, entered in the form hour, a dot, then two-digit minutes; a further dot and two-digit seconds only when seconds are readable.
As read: 9.41
